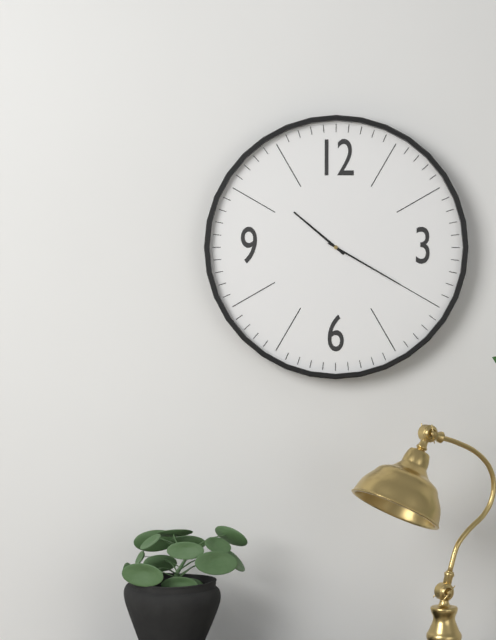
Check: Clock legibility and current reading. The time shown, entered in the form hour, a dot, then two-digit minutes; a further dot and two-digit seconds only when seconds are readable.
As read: 10.20
